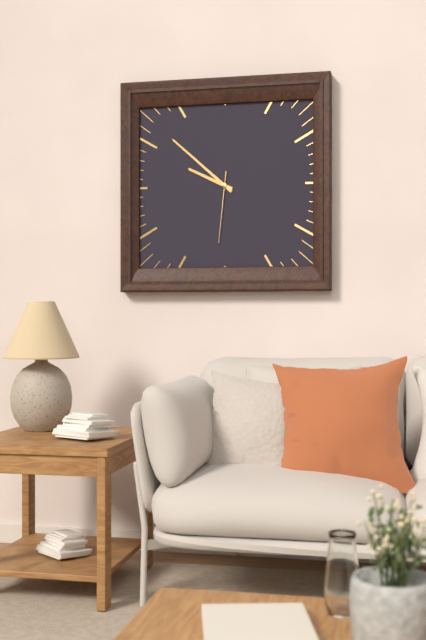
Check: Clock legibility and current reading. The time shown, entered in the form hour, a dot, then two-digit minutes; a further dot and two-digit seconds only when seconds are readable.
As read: 9.52.31
